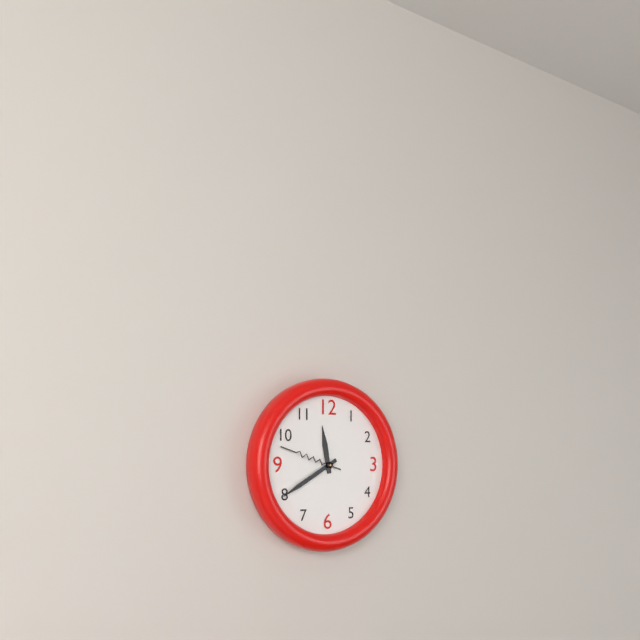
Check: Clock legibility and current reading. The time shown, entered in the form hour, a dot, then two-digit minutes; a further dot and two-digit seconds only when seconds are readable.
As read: 11.40.48
